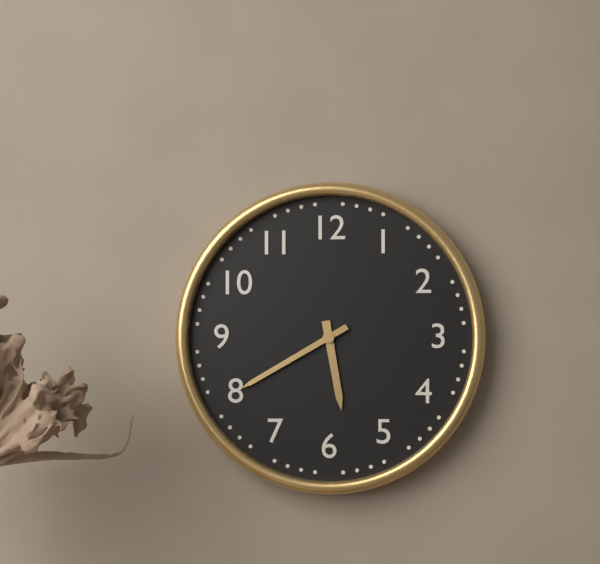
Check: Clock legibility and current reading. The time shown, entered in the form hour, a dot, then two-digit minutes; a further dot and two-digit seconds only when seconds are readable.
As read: 5.40
